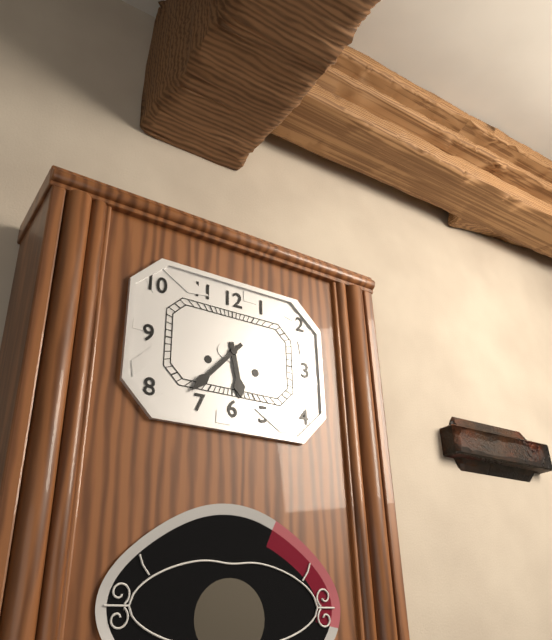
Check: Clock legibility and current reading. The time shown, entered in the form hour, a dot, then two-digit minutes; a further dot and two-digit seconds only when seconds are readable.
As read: 5.37
